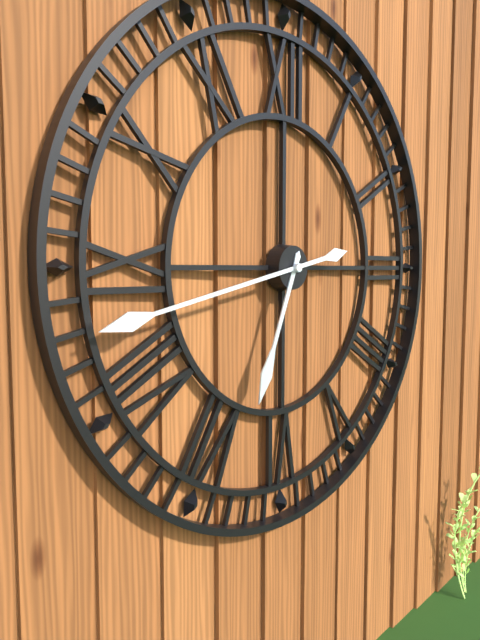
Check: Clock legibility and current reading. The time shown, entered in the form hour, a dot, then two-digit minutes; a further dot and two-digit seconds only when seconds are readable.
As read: 6.43
